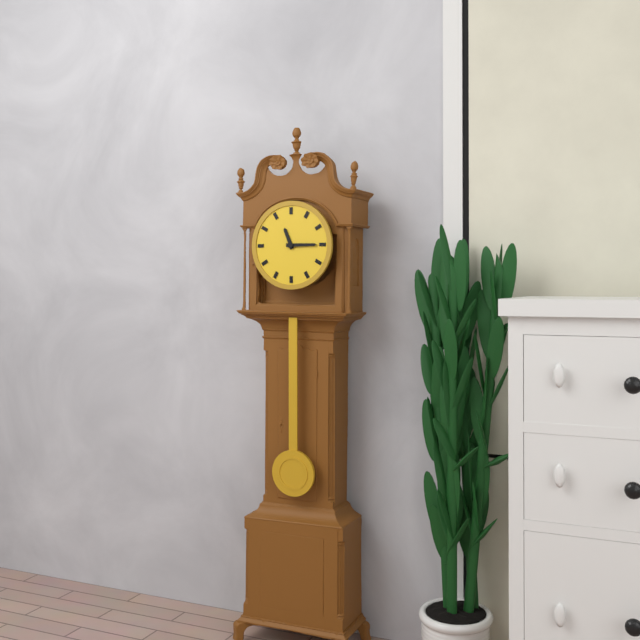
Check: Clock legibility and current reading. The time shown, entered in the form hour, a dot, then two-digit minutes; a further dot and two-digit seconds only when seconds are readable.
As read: 11.15
